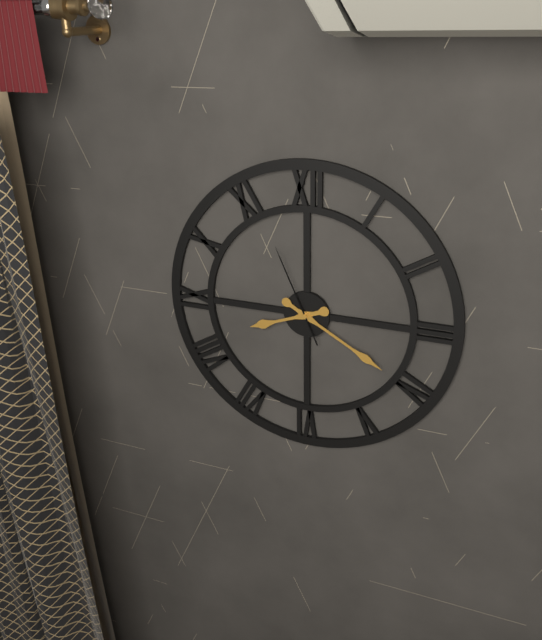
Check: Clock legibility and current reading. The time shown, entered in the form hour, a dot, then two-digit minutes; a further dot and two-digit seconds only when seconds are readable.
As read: 8.20.56
